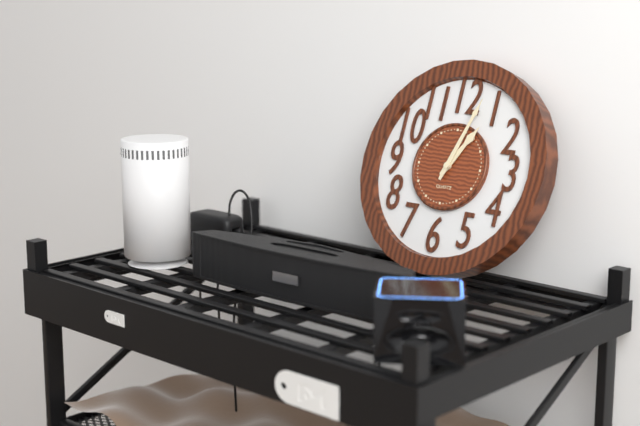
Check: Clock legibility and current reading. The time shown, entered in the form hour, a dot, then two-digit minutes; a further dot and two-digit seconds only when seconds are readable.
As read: 1.03
